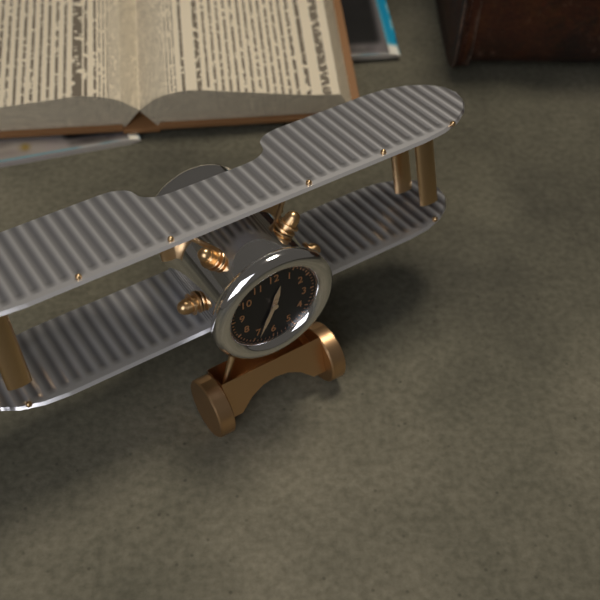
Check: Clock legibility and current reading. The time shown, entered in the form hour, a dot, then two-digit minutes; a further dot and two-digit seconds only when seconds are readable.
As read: 12.34
